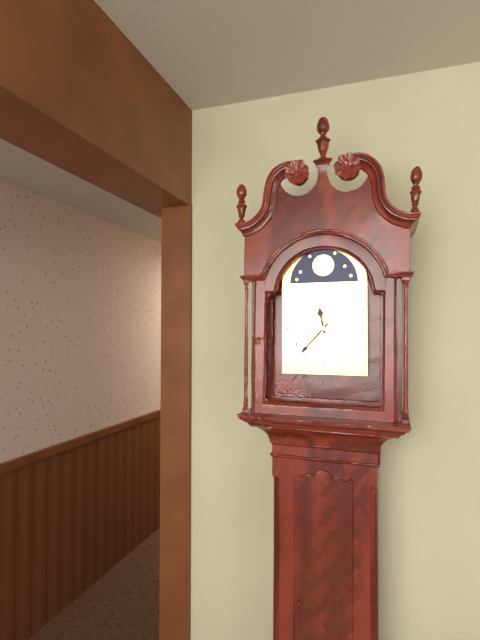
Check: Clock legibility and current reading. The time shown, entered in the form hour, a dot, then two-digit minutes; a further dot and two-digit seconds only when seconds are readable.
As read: 11.37
